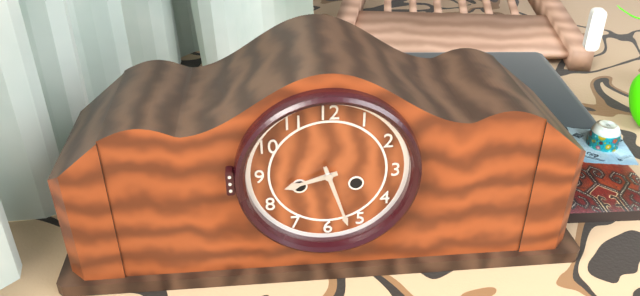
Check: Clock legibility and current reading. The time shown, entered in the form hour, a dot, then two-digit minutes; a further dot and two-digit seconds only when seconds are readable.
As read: 8.27
